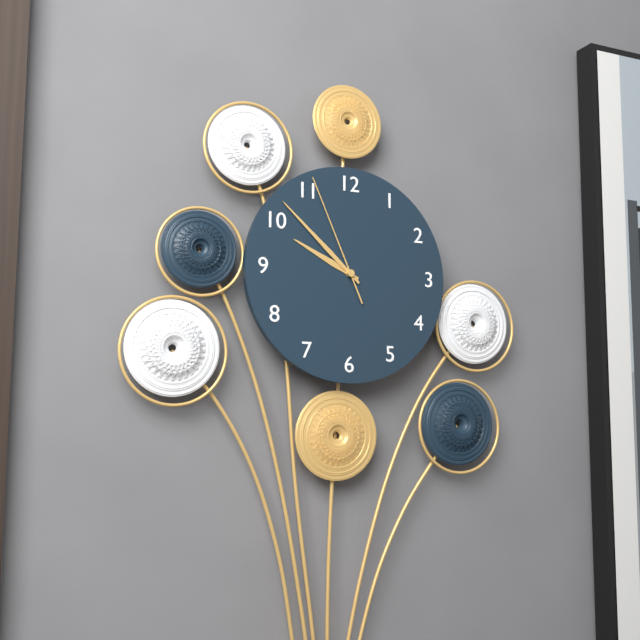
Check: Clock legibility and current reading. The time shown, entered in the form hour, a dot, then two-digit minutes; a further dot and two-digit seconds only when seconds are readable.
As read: 9.52.56
